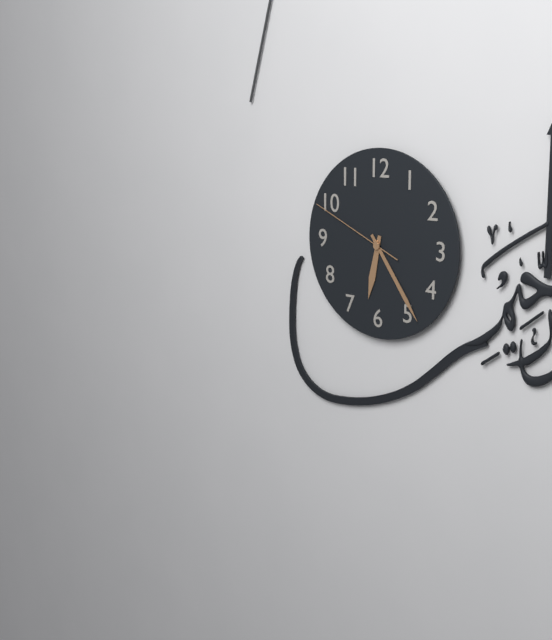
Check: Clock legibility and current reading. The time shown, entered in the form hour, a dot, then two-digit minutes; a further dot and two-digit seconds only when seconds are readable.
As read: 6.24.49
